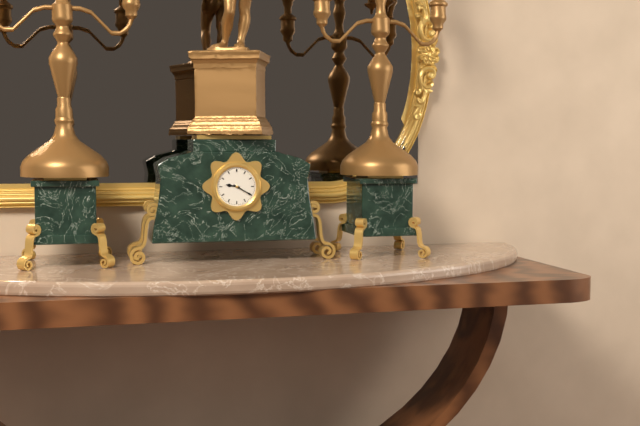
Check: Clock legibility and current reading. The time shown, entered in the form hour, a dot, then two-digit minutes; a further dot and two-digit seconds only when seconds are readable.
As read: 9.20
